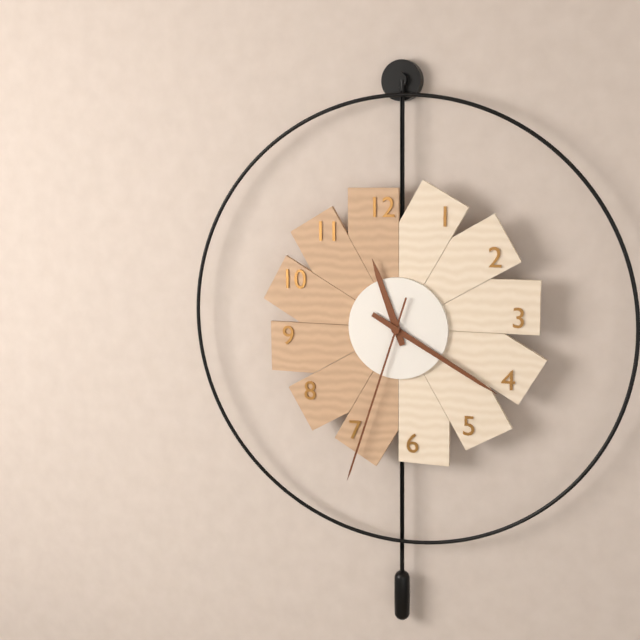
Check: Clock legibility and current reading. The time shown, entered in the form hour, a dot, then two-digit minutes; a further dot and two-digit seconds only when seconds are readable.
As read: 11.20.33
